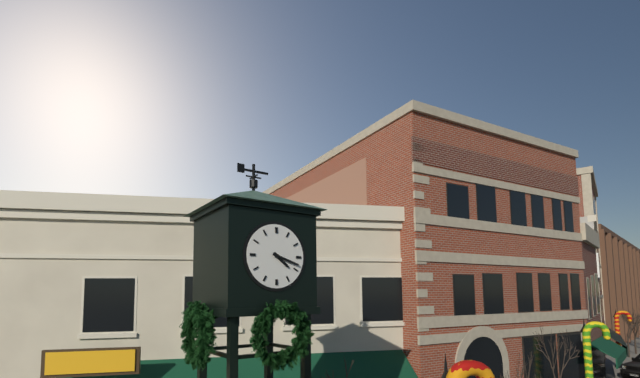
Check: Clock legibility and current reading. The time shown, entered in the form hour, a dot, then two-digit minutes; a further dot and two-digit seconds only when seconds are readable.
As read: 4.18
